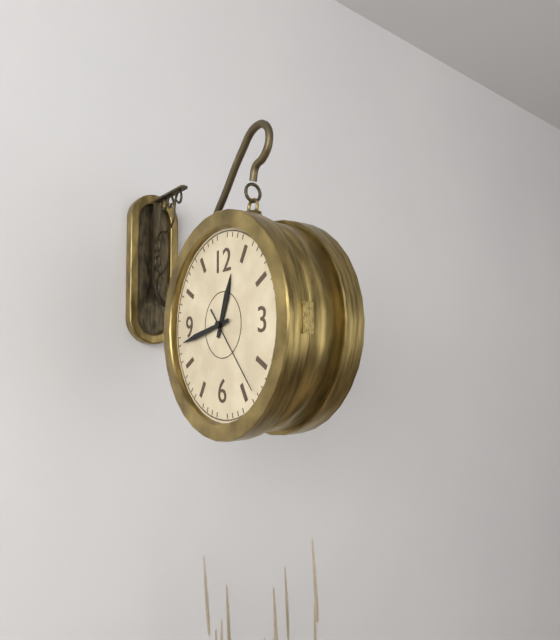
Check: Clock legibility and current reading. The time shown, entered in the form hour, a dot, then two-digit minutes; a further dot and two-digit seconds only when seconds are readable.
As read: 12.43.23
